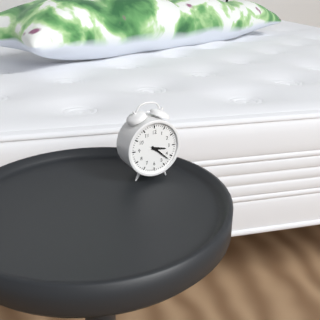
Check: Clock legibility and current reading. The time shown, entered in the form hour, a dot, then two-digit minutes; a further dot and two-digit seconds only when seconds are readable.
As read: 3.22
